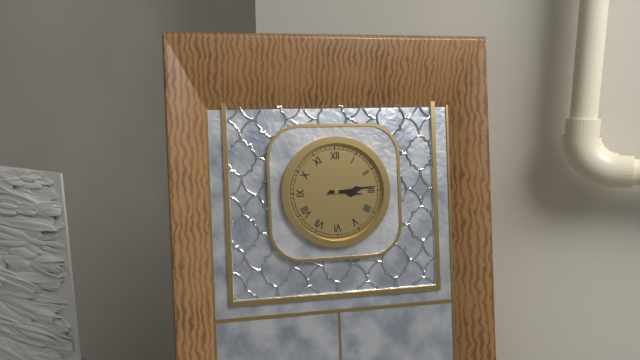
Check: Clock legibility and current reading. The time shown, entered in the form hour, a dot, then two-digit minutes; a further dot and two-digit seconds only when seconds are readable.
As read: 3.14
